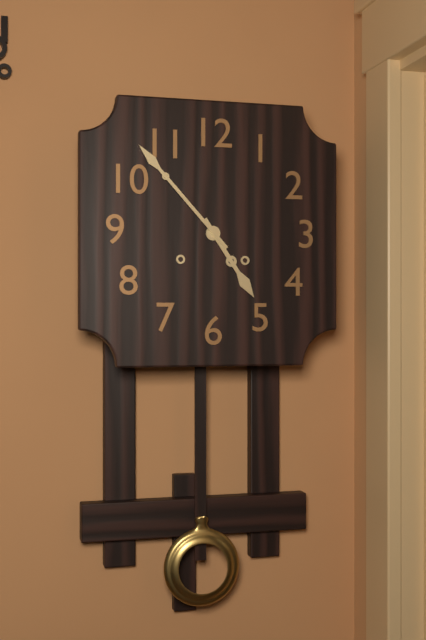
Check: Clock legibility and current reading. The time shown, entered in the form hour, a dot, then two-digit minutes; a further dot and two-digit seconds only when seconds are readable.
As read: 4.53
